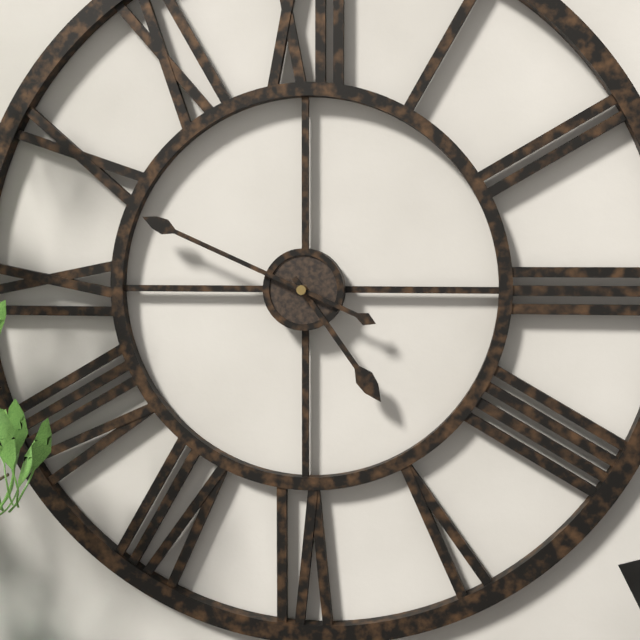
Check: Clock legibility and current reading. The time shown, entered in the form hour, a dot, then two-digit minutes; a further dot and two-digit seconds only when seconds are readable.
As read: 4.49
